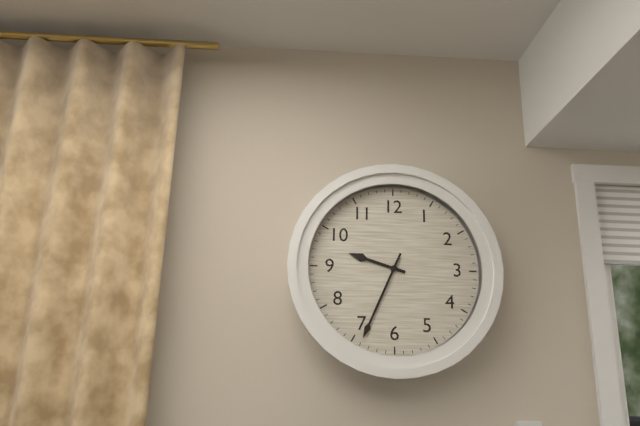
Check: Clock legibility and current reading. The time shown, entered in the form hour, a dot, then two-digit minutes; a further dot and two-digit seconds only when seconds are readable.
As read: 9.34
